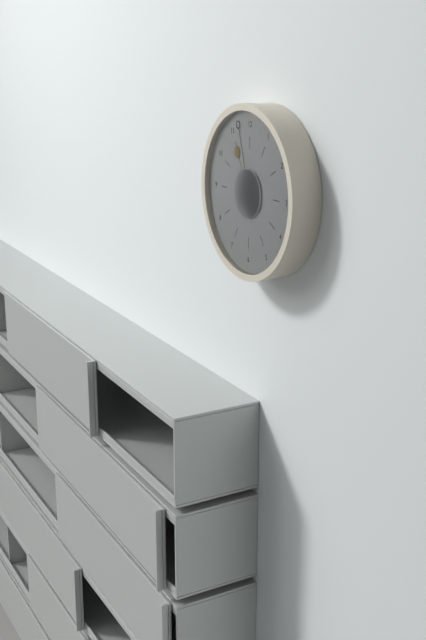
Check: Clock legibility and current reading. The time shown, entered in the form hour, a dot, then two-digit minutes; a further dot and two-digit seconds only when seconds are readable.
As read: 10.57
